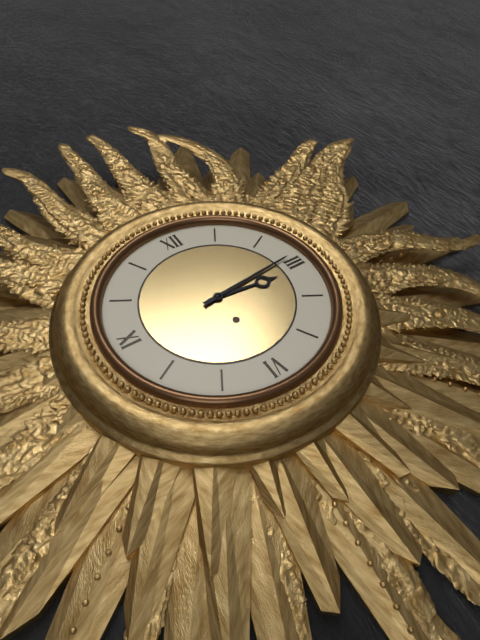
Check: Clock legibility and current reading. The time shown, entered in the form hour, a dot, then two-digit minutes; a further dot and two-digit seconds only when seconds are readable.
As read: 3.14
